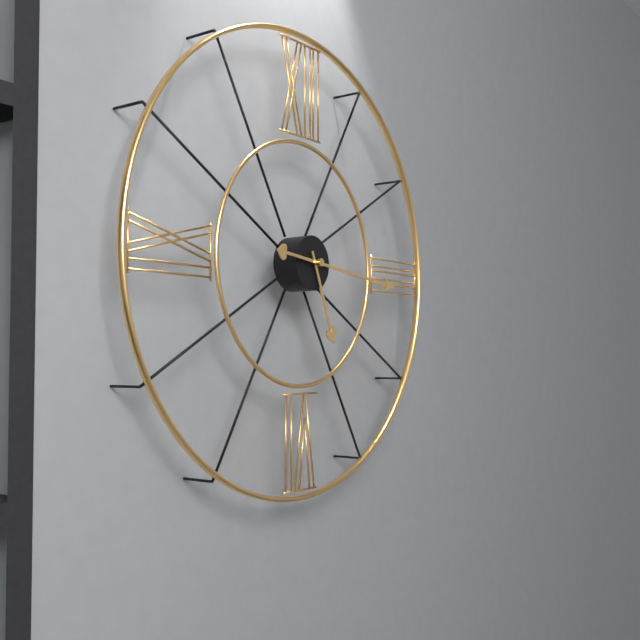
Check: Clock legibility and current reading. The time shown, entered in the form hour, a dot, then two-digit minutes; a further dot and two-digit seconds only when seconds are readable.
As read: 5.16
